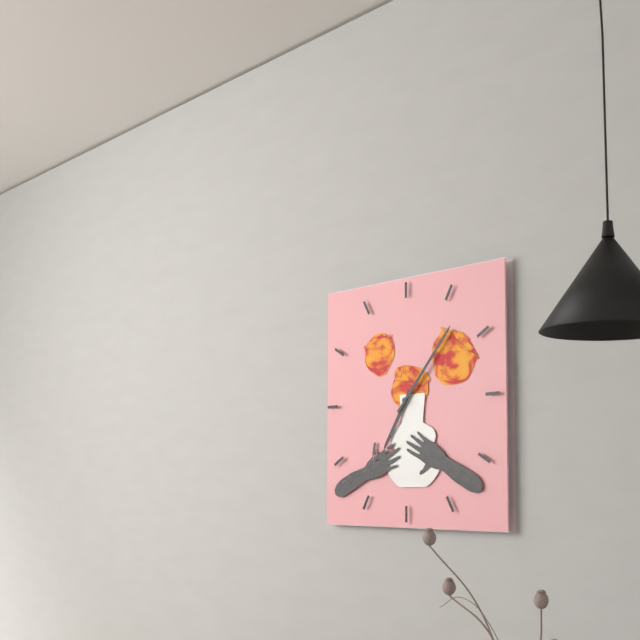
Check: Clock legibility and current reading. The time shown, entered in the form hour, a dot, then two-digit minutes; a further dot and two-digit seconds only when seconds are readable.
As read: 7.07
